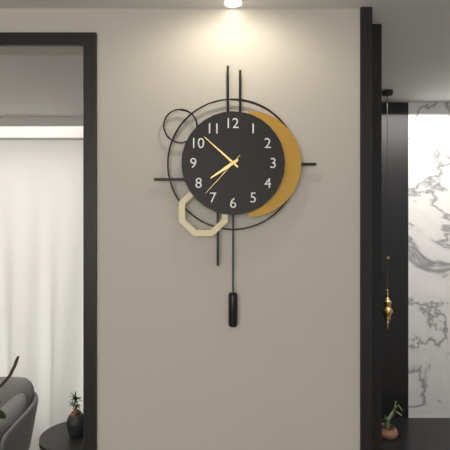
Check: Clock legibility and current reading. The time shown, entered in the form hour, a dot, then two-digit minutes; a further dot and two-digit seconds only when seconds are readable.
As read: 7.52.37
